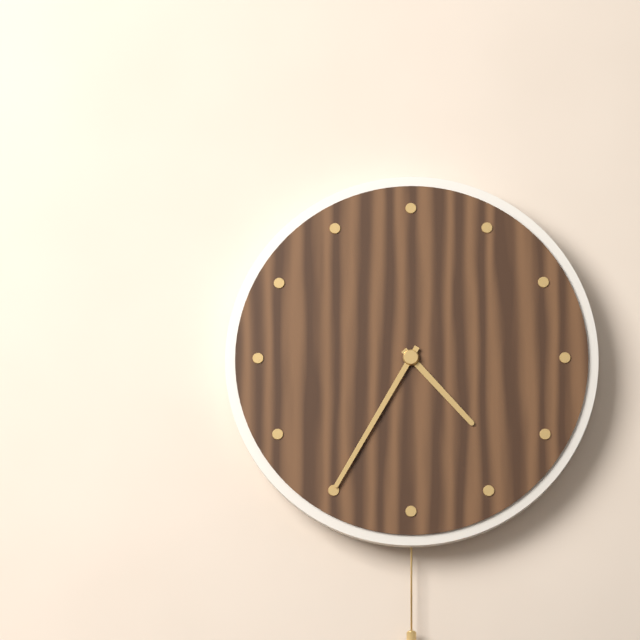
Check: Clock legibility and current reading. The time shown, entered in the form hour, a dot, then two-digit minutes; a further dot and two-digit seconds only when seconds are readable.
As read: 4.35
